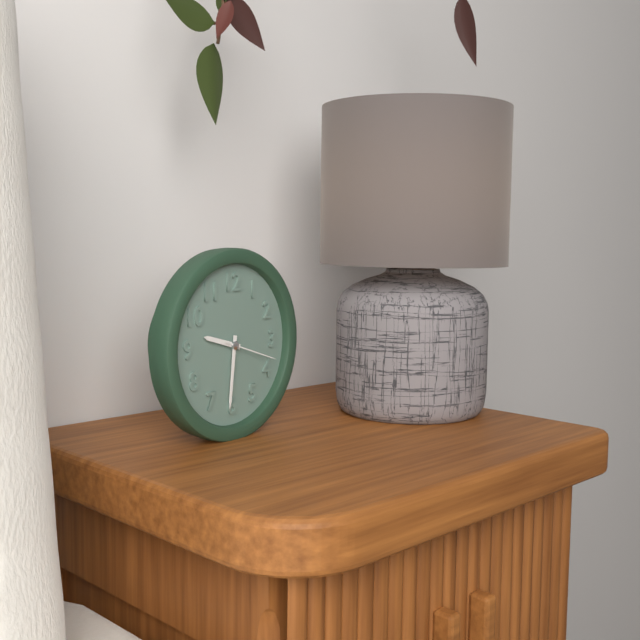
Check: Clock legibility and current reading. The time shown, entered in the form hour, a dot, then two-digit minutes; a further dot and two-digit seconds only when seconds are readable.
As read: 9.31.18
